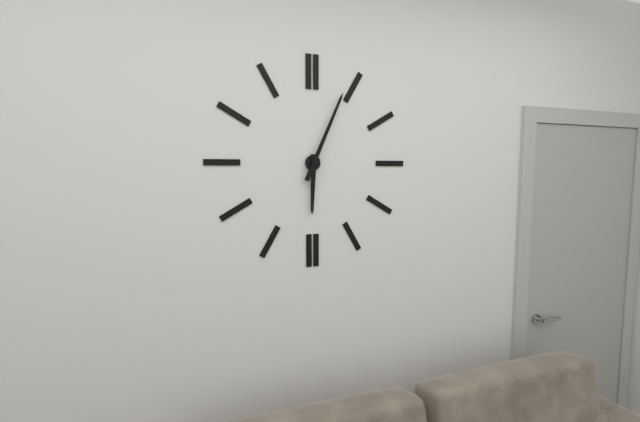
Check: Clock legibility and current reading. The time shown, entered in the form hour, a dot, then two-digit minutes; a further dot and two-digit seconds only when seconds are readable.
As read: 6.04
